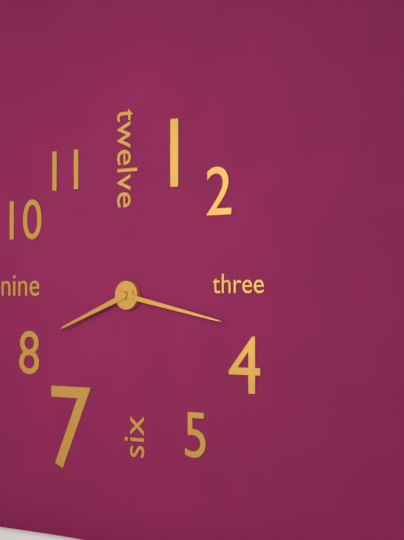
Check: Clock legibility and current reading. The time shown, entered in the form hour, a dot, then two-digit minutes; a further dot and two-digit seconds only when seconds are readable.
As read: 8.17
